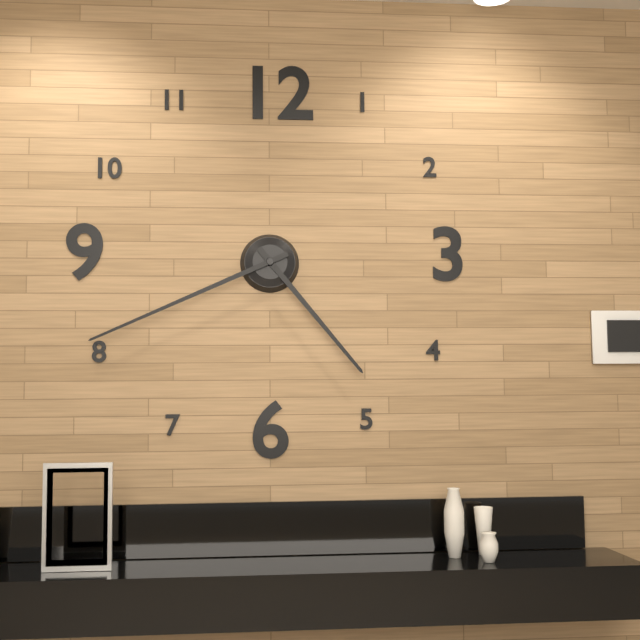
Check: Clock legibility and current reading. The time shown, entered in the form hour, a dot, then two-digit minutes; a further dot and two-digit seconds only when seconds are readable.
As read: 4.41
